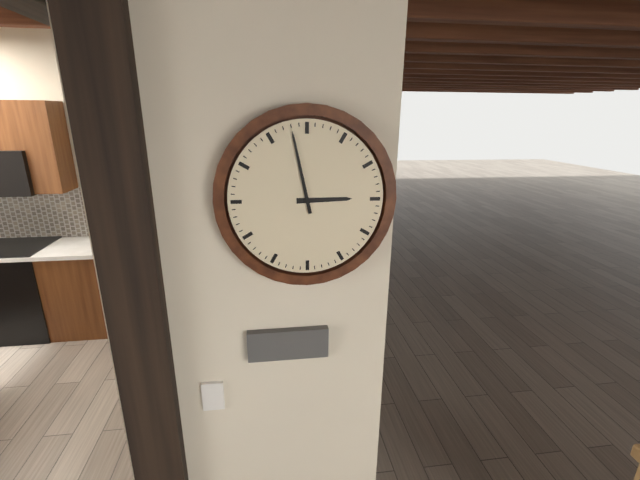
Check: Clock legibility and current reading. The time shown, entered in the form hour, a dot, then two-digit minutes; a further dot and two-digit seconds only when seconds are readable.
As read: 2.58
